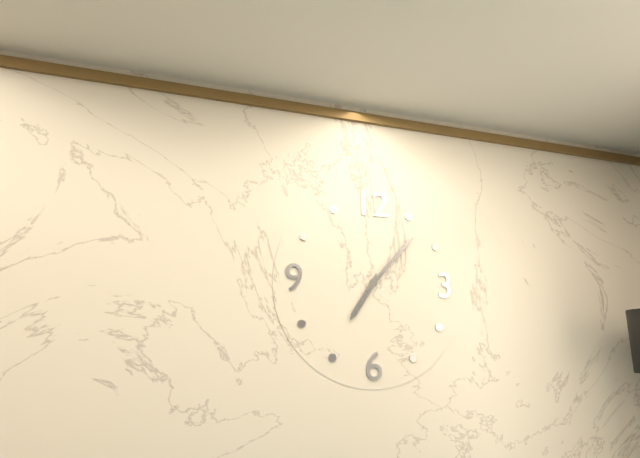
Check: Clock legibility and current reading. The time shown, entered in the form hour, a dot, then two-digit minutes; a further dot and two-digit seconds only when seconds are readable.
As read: 7.07
